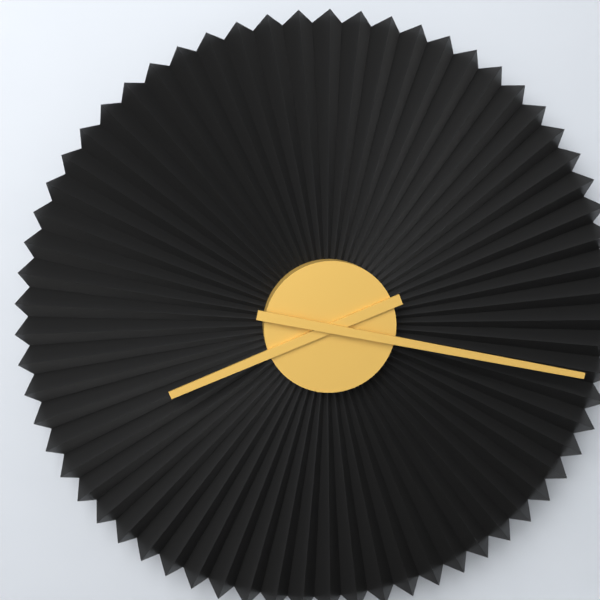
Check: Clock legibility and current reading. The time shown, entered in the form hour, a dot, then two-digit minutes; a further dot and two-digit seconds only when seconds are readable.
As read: 8.17
